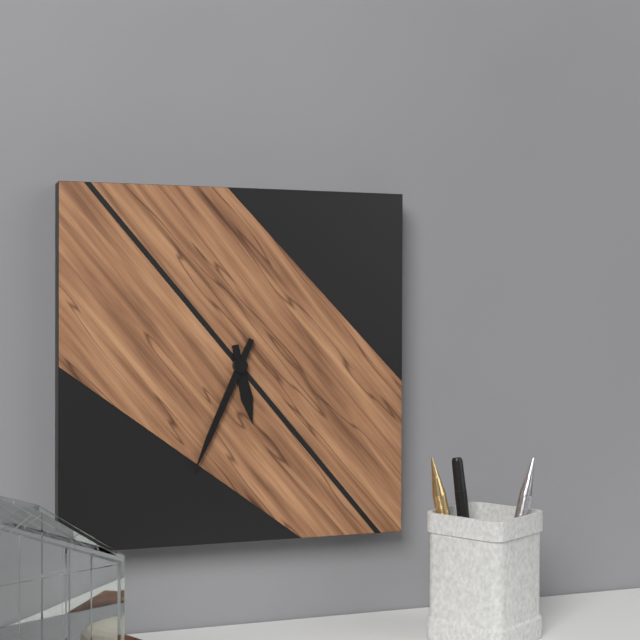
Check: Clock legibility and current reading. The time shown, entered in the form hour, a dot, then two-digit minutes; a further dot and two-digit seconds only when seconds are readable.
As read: 5.34
